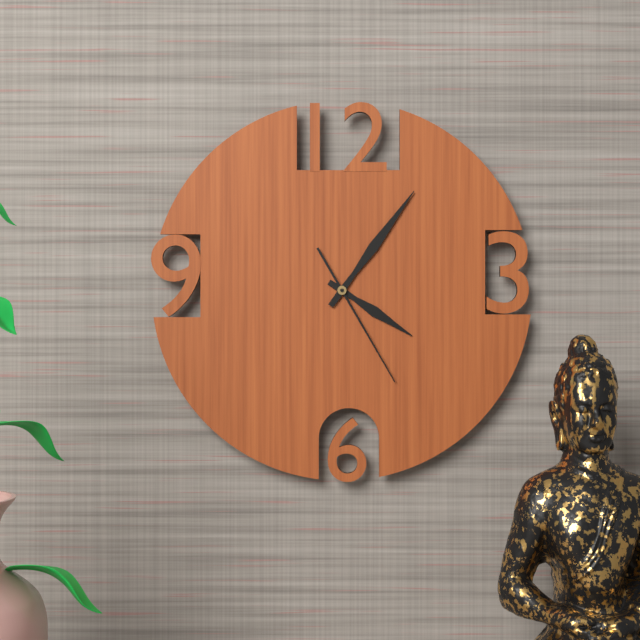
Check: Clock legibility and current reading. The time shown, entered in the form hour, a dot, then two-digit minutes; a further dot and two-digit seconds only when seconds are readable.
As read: 4.06.25
